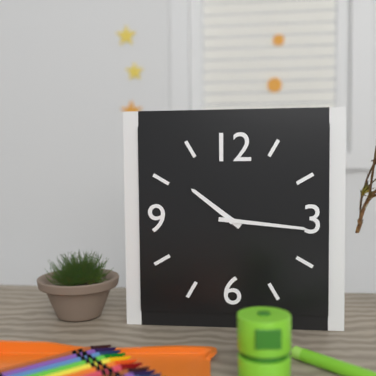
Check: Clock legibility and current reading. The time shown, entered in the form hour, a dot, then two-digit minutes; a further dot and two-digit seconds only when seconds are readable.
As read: 10.16
